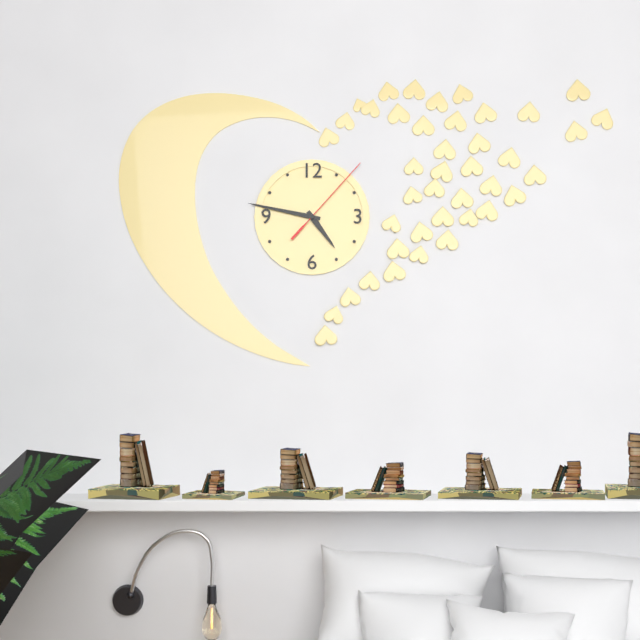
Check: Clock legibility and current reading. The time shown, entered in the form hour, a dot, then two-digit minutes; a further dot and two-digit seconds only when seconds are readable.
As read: 4.47.07
